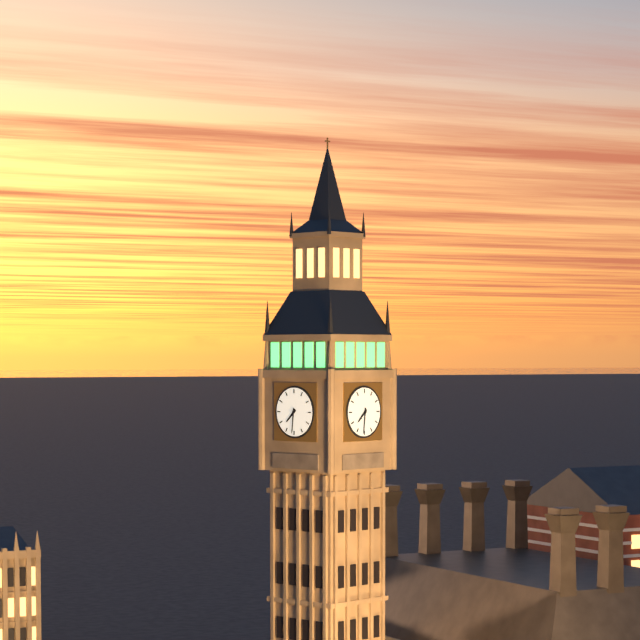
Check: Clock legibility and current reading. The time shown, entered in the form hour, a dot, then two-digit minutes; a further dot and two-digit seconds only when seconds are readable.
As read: 7.31
